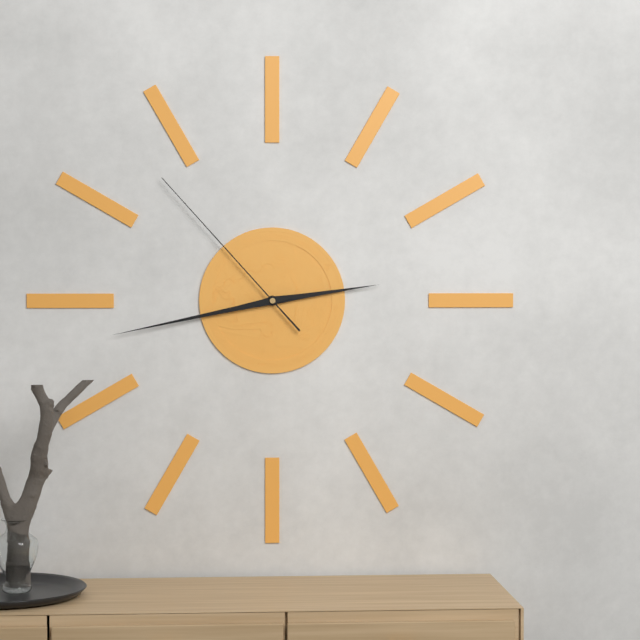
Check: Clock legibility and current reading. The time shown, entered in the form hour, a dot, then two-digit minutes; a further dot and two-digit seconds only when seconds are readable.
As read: 2.43.53
